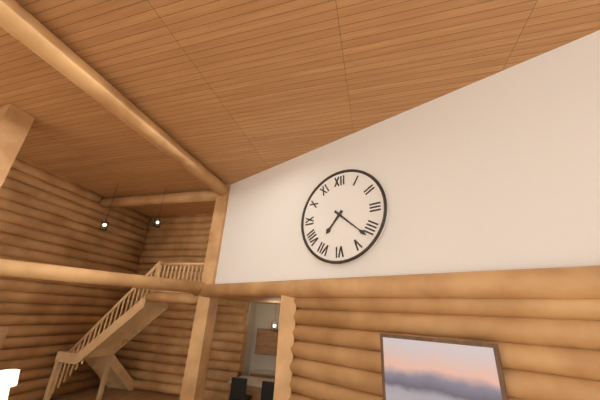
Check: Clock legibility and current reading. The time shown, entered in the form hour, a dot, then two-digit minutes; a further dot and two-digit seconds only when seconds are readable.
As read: 7.22
